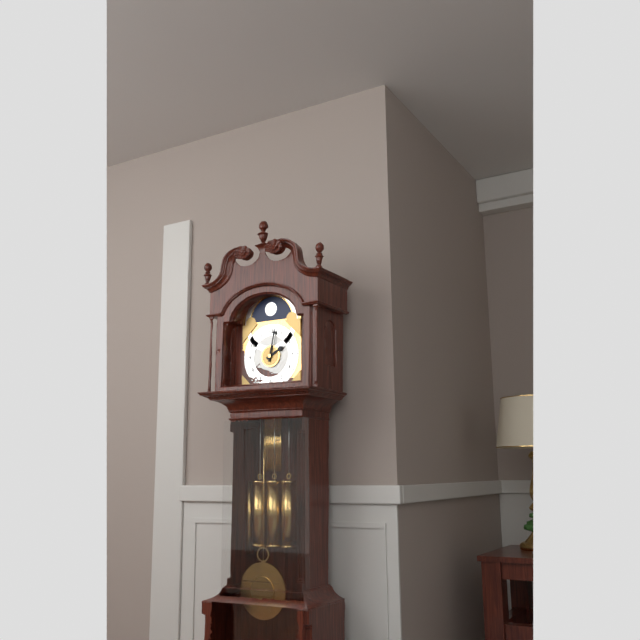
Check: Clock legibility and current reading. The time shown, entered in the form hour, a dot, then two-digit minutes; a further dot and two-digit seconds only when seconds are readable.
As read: 2.02
